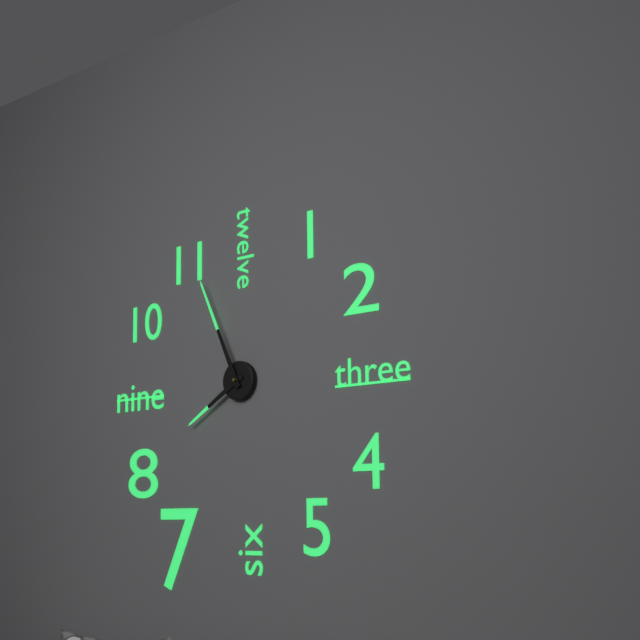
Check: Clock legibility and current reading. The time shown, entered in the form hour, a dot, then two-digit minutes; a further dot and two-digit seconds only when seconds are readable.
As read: 7.56
